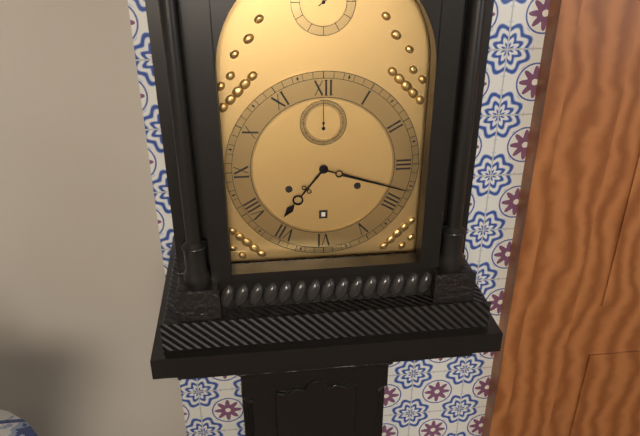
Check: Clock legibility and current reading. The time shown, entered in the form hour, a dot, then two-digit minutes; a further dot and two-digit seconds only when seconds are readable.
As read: 7.18
